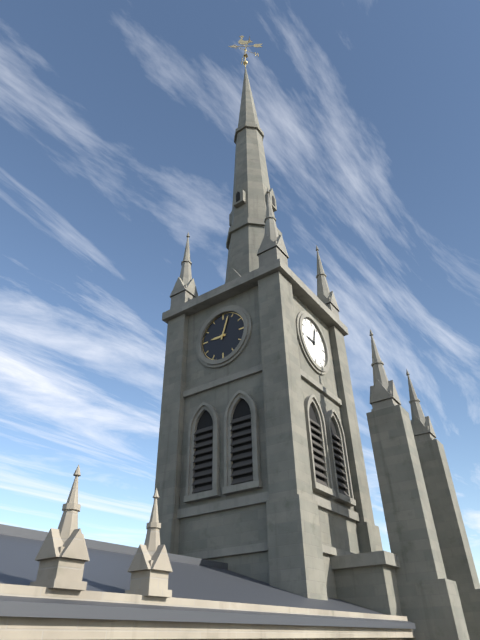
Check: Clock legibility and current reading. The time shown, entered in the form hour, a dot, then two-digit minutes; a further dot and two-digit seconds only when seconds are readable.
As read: 9.03
